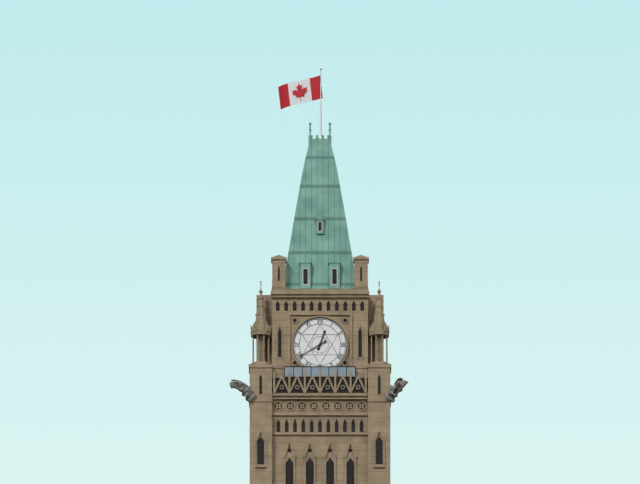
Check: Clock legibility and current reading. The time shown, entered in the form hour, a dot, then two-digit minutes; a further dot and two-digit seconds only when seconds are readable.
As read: 12.40
